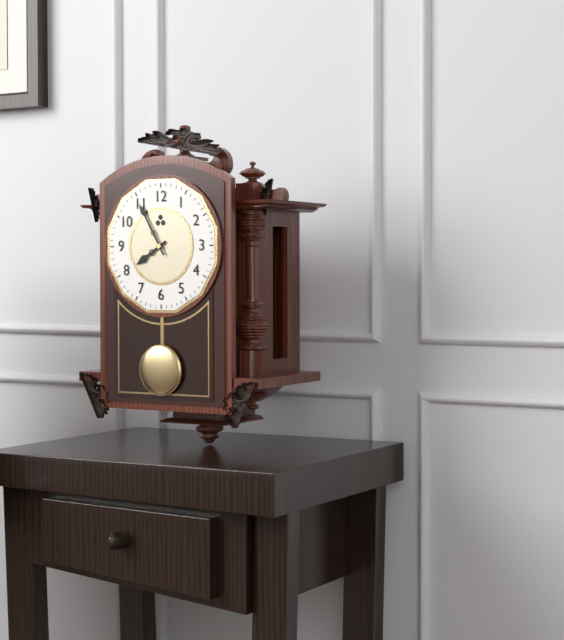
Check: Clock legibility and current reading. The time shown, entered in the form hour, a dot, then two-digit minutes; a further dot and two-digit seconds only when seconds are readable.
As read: 7.55
